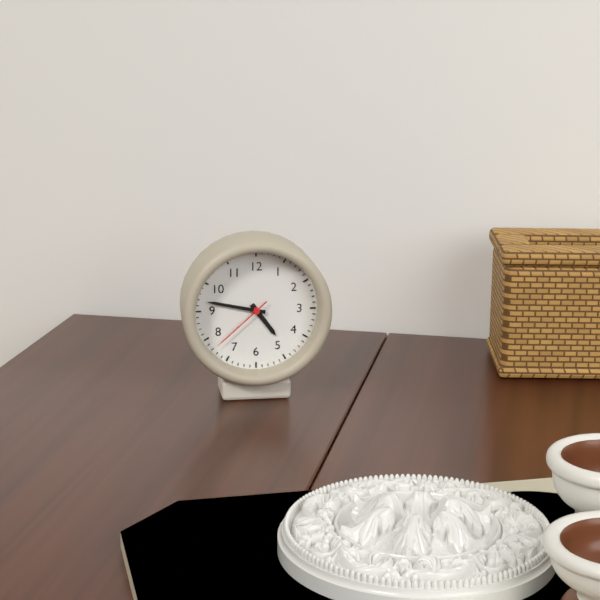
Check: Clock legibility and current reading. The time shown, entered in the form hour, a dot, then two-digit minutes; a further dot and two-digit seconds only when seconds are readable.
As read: 4.47.38
